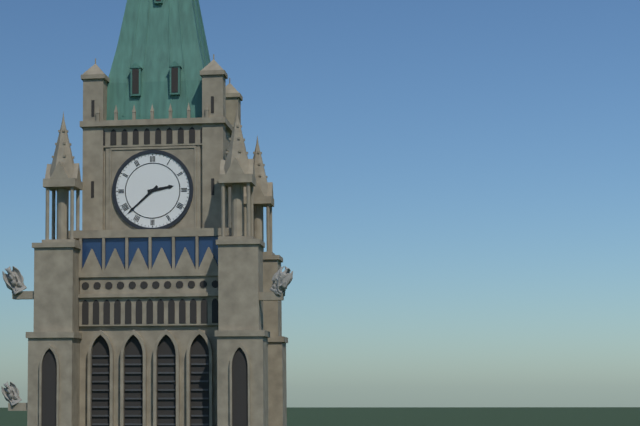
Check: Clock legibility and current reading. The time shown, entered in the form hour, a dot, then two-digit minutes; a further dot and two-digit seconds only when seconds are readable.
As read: 2.38
